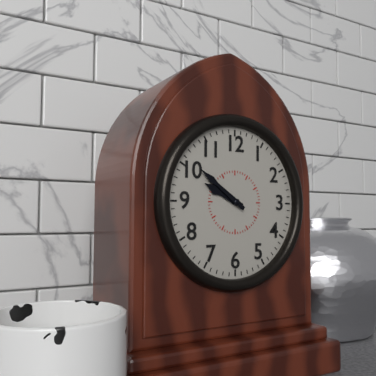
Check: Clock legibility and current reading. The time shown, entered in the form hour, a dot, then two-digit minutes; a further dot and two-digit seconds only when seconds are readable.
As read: 9.51
